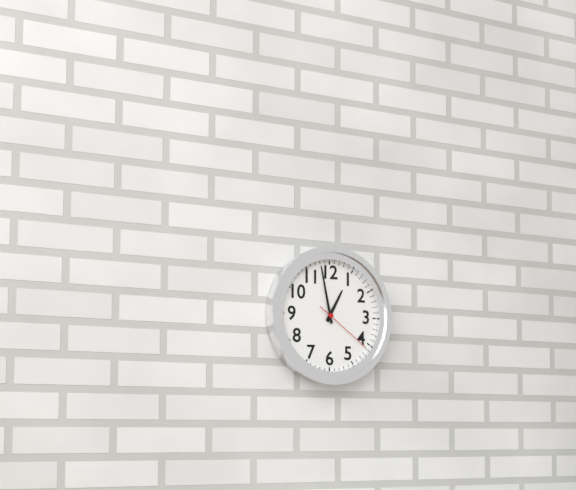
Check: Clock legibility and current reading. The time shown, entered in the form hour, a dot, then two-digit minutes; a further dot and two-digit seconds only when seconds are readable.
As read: 12.58.21
